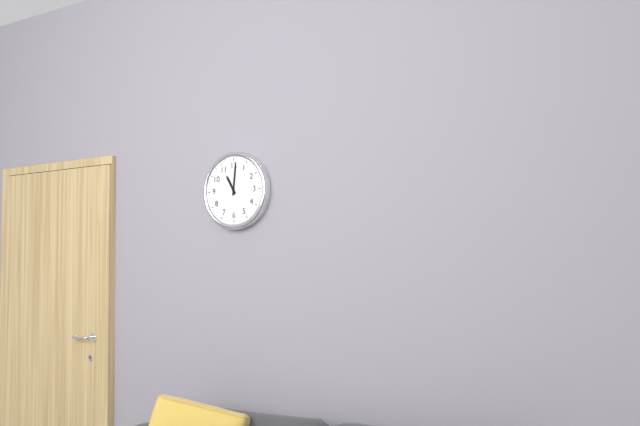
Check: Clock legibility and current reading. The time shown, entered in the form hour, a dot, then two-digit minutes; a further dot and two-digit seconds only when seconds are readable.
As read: 11.01
